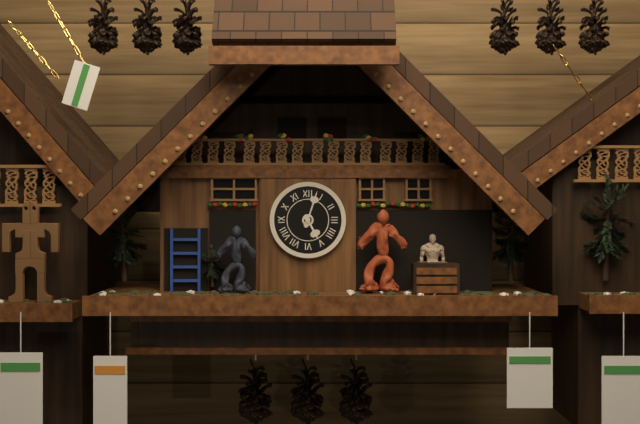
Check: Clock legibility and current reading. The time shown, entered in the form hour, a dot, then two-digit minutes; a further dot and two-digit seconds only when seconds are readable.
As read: 5.03
